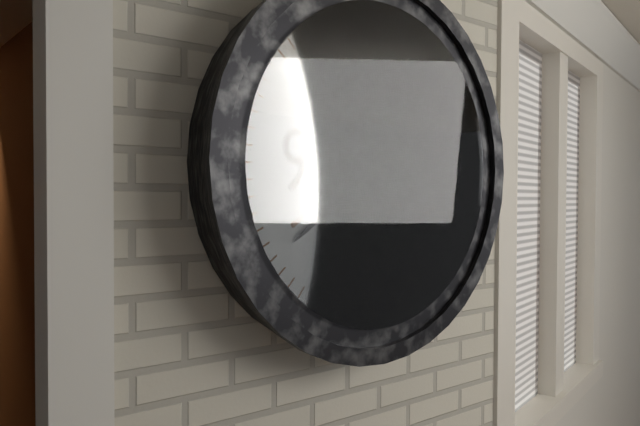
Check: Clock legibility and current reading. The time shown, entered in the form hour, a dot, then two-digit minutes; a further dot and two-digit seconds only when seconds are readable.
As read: 6.39
